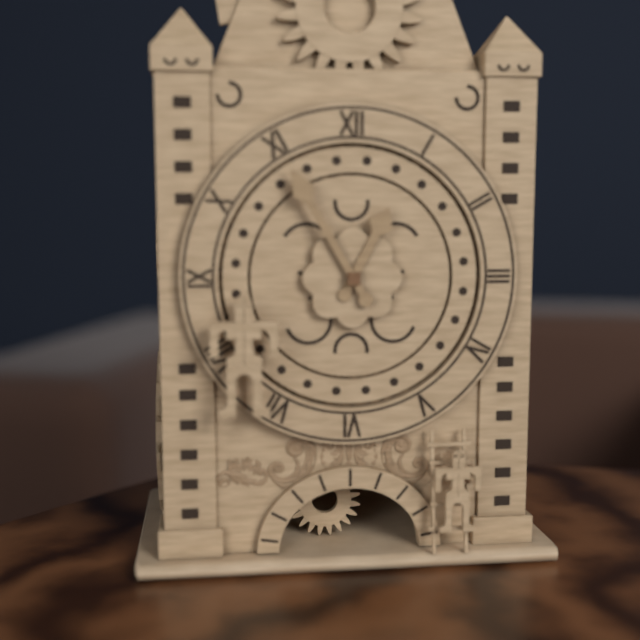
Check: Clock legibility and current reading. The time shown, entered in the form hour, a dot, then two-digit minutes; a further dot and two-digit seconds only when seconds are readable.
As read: 12.55
